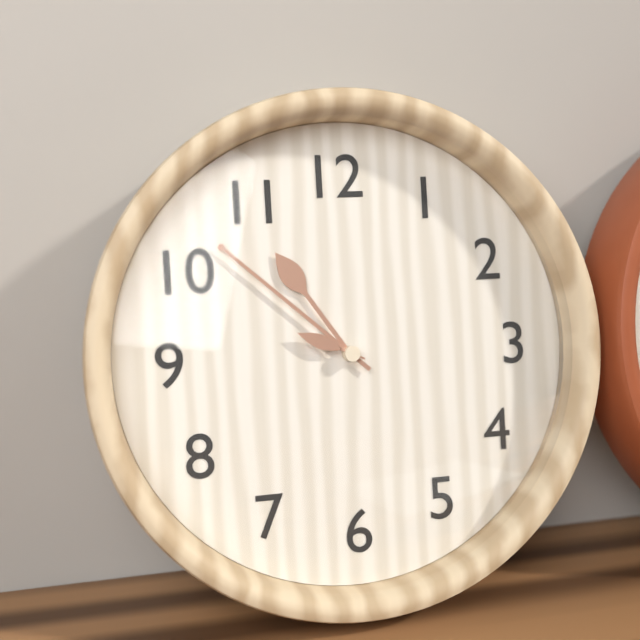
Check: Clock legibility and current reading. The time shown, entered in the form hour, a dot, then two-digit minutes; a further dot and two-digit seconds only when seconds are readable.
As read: 10.52.49
